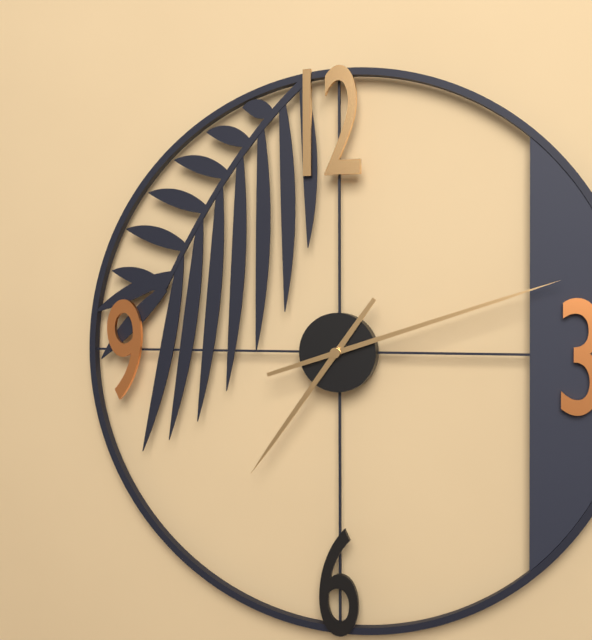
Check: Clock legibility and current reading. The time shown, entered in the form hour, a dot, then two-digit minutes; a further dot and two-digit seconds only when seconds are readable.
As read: 7.12
